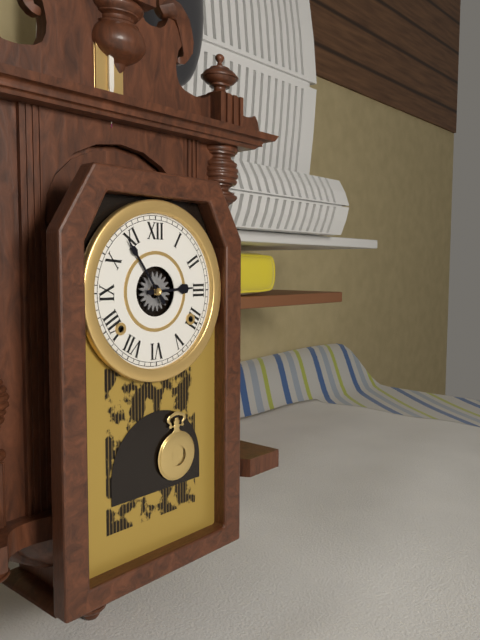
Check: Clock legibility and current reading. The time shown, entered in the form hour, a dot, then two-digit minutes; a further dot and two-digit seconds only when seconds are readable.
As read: 2.54
